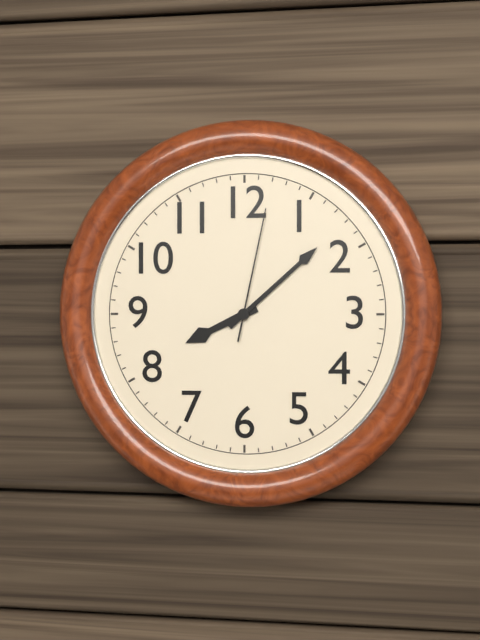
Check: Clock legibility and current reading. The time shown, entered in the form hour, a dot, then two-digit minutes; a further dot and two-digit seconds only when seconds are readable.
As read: 8.08.02
